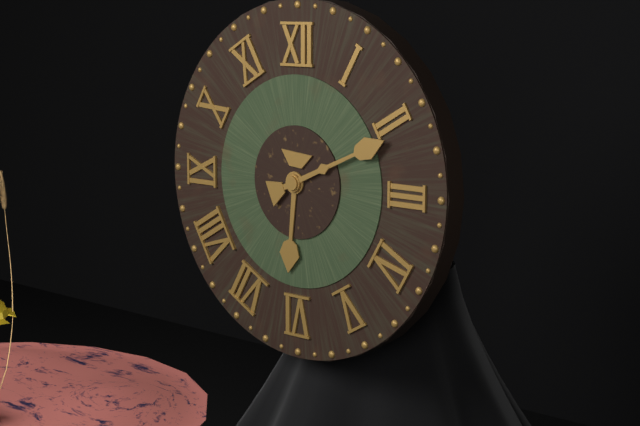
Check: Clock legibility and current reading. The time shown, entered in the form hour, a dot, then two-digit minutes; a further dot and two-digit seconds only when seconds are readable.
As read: 6.11
